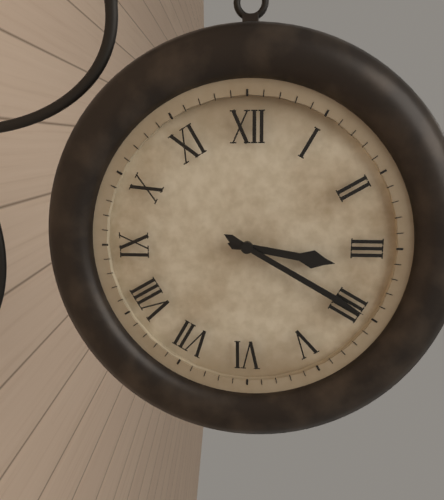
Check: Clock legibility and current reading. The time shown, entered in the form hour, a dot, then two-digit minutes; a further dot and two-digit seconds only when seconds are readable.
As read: 3.20
